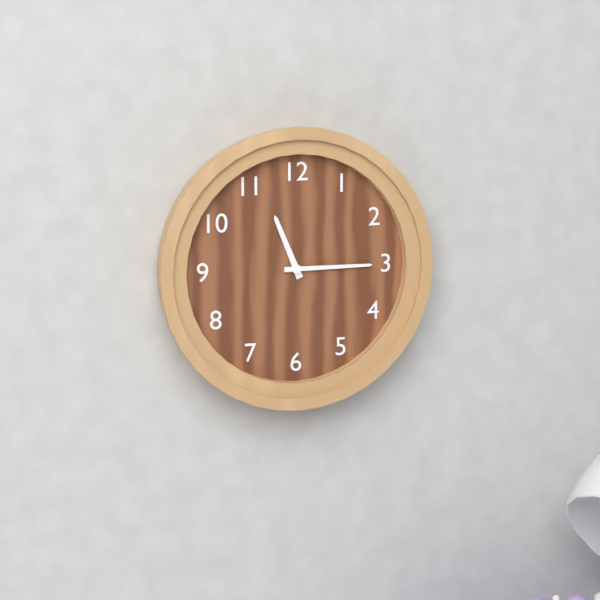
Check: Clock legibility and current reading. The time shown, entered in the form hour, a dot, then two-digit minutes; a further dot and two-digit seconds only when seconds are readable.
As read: 11.15
